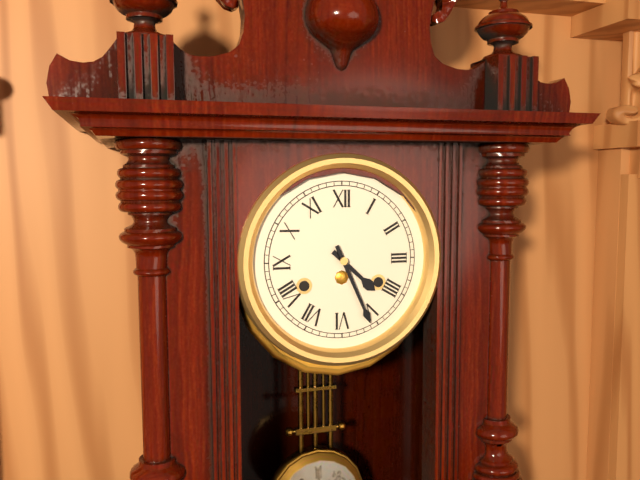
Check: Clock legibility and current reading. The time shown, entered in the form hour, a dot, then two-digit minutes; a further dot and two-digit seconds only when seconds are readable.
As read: 4.26
